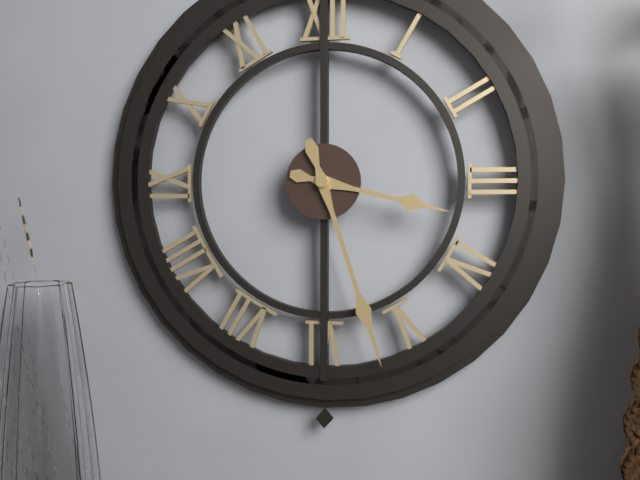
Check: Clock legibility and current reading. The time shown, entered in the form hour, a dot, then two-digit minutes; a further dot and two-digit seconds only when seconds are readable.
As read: 3.27
